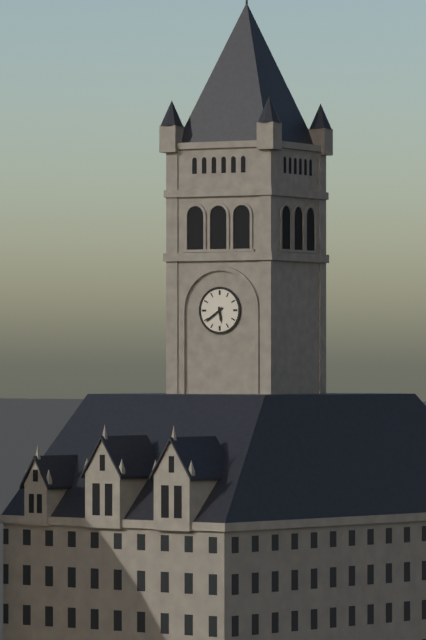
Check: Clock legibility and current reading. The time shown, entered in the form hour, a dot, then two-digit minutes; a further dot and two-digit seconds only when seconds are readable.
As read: 5.39
